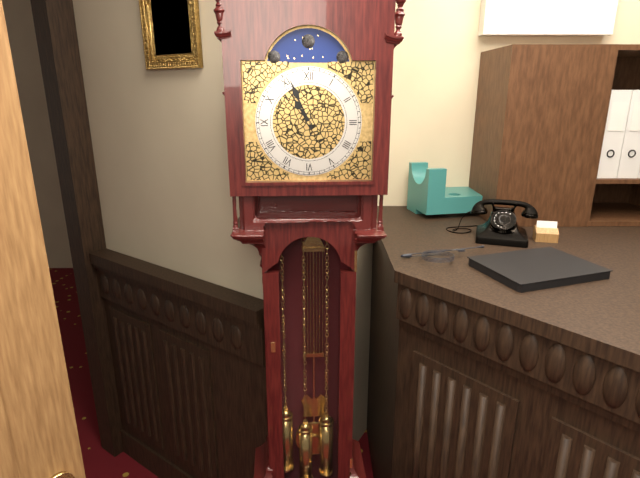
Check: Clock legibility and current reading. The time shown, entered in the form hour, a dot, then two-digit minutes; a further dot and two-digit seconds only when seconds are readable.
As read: 10.56
